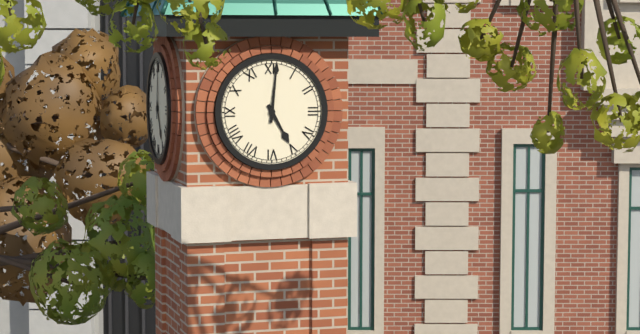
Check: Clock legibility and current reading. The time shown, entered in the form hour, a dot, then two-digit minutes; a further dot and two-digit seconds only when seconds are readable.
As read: 5.01
